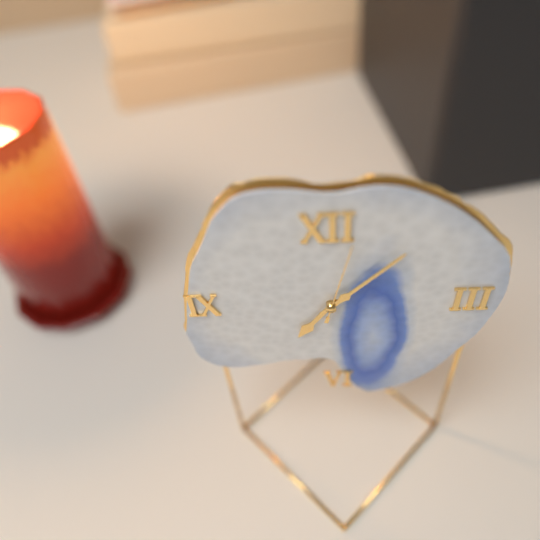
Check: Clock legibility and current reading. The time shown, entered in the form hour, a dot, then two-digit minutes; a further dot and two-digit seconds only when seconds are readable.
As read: 7.07.02
